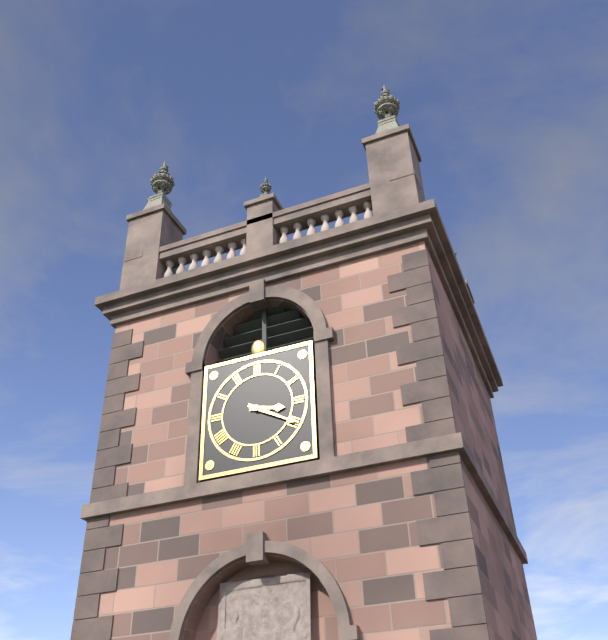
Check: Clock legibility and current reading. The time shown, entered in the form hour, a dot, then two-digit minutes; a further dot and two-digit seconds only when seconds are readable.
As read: 3.20
